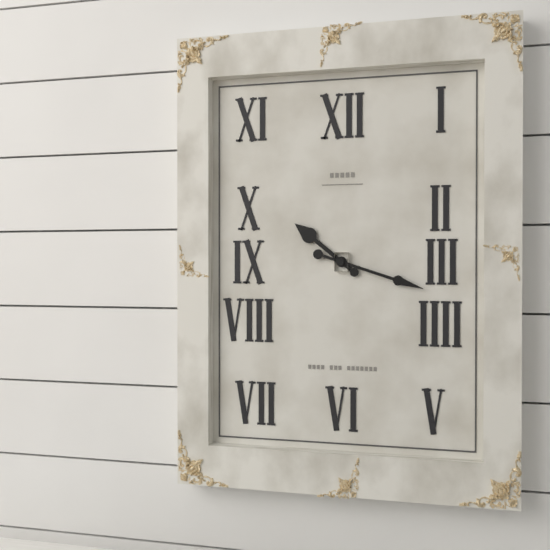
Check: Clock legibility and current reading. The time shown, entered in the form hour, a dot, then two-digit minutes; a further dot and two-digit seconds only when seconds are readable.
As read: 10.18
